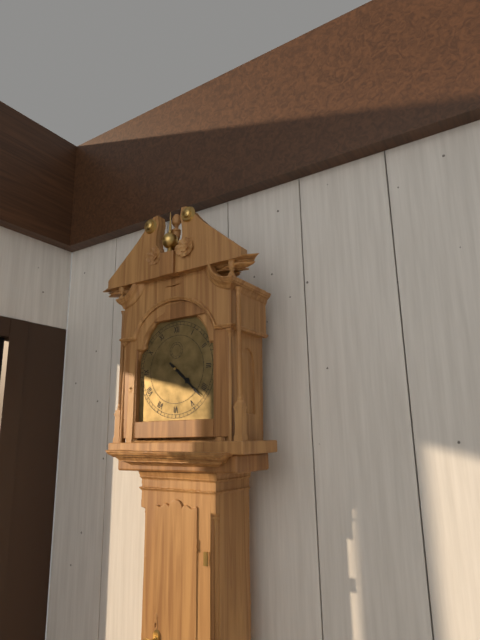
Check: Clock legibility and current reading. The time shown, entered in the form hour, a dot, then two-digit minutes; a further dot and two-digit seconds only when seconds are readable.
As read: 4.22
